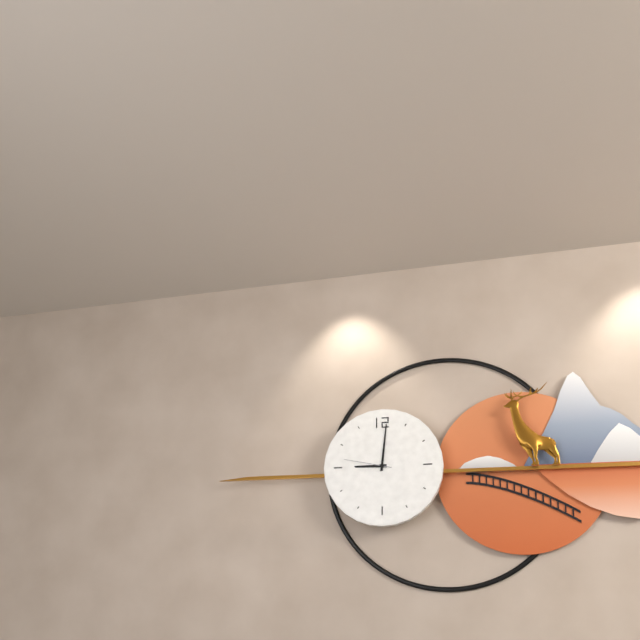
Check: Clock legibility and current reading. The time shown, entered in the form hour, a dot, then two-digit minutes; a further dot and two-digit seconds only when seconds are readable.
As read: 9.01
